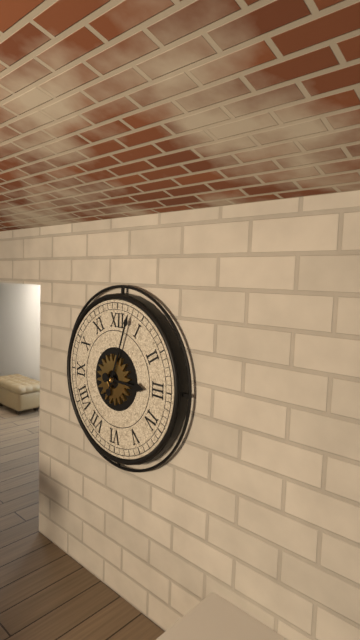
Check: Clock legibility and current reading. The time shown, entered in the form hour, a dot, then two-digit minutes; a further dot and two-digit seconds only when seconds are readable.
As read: 3.03
